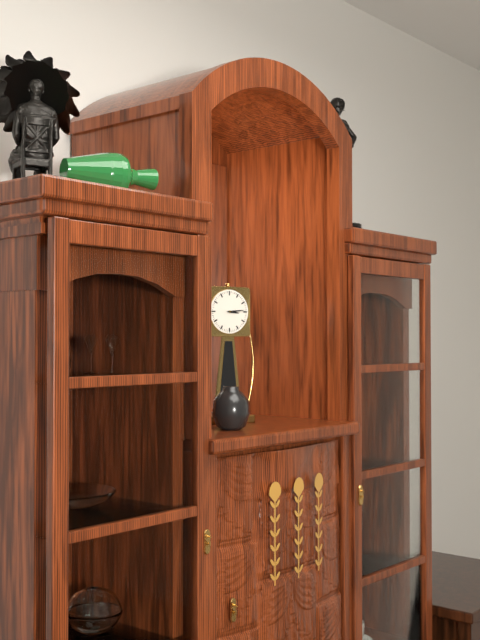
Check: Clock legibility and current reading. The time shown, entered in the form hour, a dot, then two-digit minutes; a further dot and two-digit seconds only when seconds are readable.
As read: 3.14
